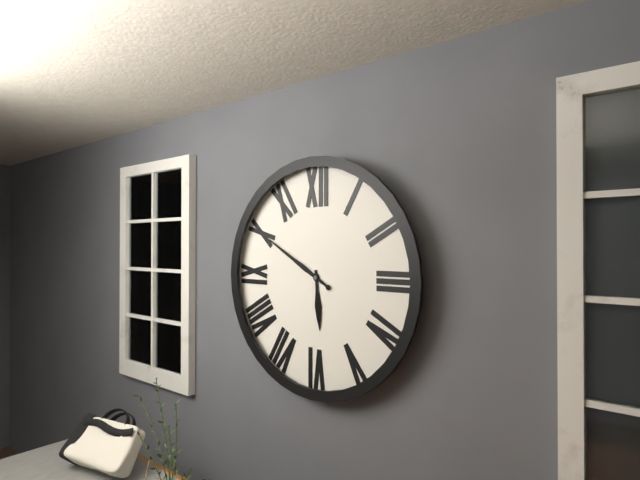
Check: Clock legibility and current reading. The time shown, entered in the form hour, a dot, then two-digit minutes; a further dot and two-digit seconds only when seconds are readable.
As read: 5.50
